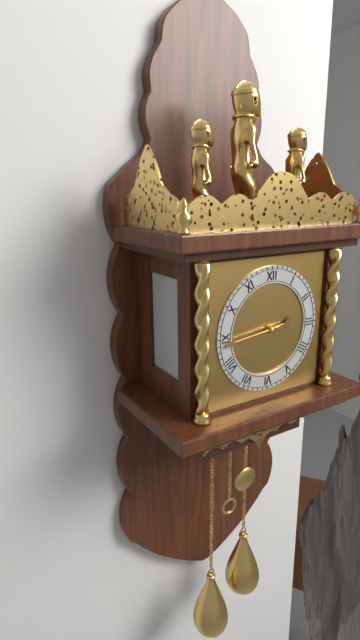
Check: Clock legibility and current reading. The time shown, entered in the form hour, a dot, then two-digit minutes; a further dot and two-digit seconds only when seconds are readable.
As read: 2.44
